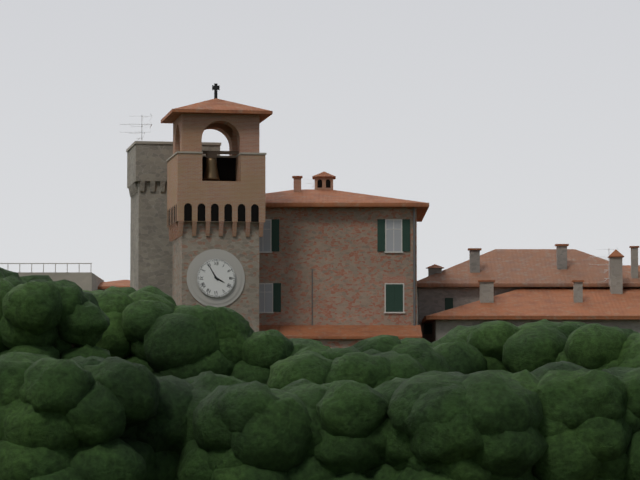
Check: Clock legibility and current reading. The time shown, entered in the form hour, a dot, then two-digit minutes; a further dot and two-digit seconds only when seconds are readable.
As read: 3.55
